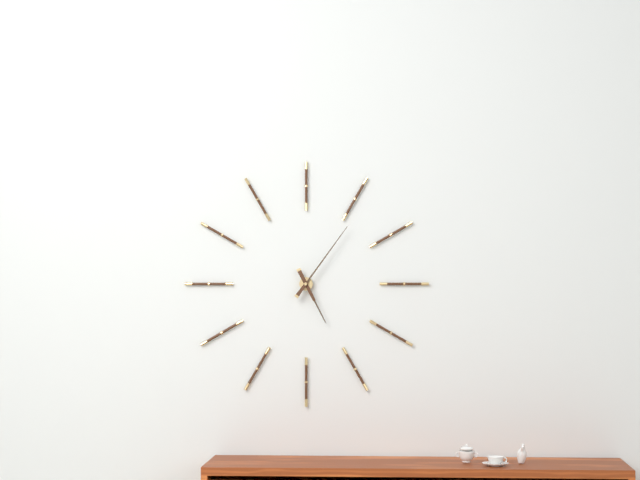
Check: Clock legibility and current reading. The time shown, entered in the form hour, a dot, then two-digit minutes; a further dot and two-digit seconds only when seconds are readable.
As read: 5.06
